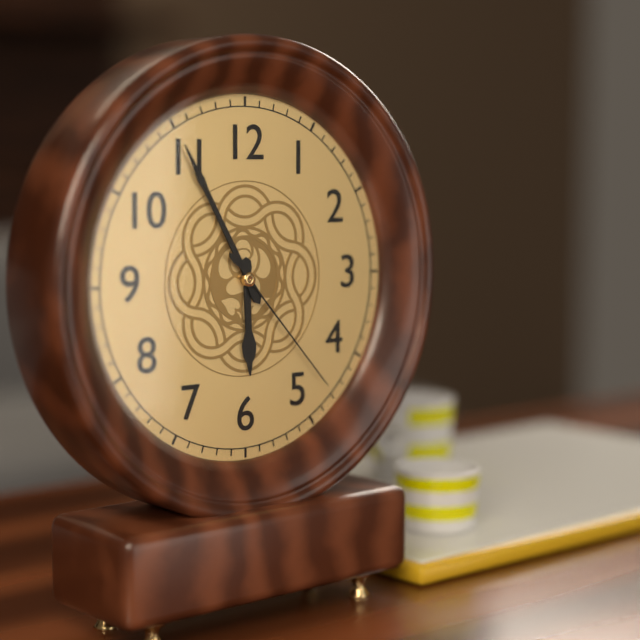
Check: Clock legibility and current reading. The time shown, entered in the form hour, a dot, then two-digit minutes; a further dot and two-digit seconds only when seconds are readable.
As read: 5.55.23
